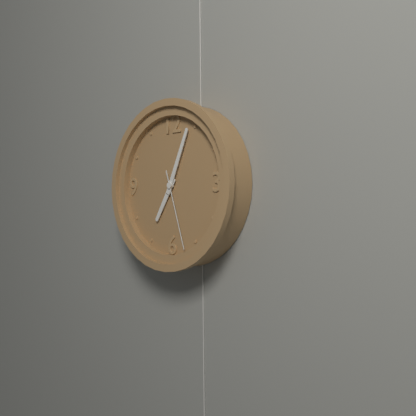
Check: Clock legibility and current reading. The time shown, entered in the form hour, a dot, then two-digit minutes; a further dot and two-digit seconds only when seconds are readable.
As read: 7.04.27
